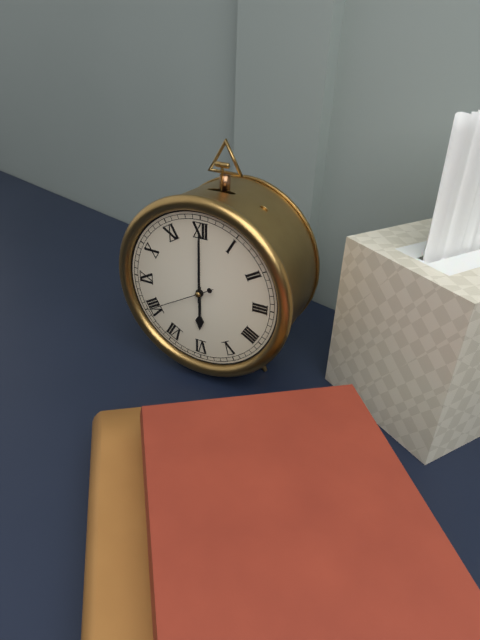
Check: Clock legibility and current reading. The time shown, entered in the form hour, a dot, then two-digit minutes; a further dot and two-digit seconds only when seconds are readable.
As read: 6.00.40
